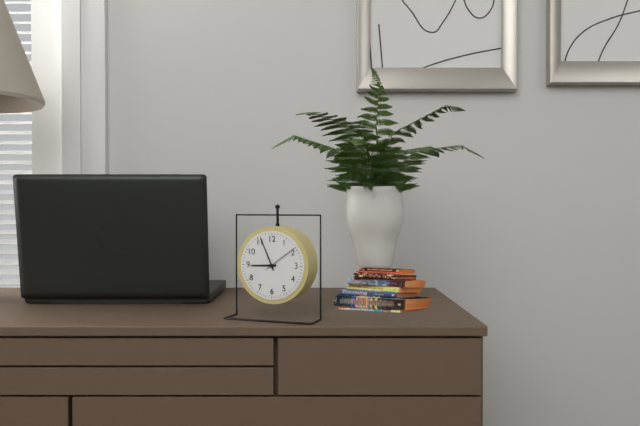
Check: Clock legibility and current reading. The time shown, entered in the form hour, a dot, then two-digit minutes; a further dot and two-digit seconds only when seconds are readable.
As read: 8.56
